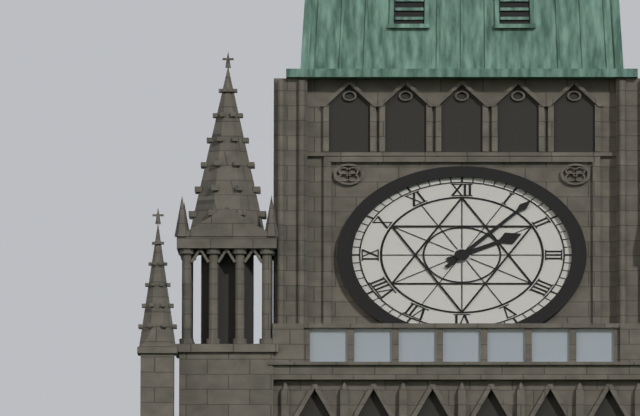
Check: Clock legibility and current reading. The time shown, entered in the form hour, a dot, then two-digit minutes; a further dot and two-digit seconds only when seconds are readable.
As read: 2.07
